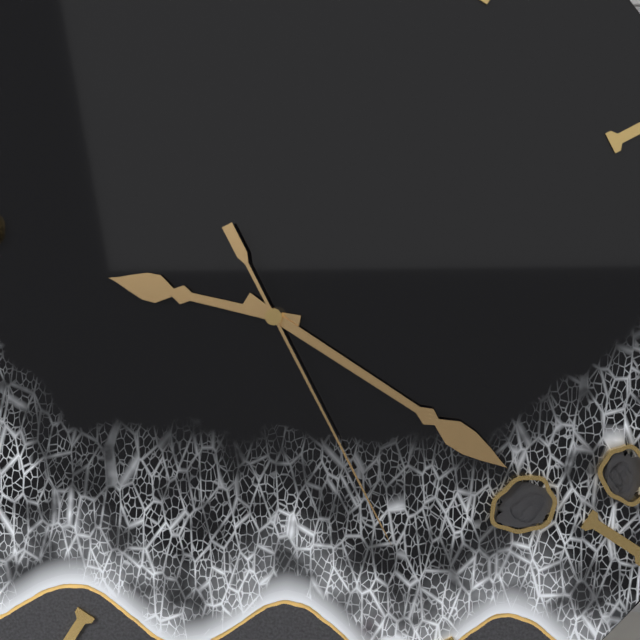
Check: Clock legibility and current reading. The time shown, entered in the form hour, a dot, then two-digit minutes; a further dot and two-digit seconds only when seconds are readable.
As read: 9.20.25
